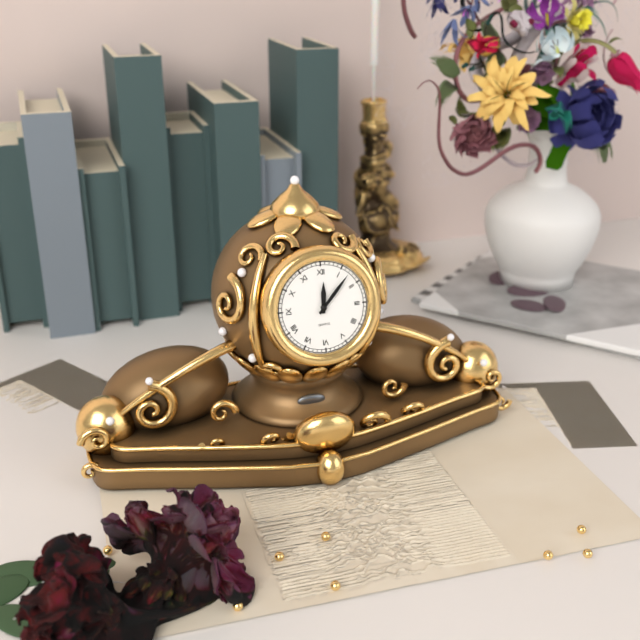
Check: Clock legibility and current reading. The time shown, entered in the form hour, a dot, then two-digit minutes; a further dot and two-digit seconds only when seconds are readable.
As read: 12.07
